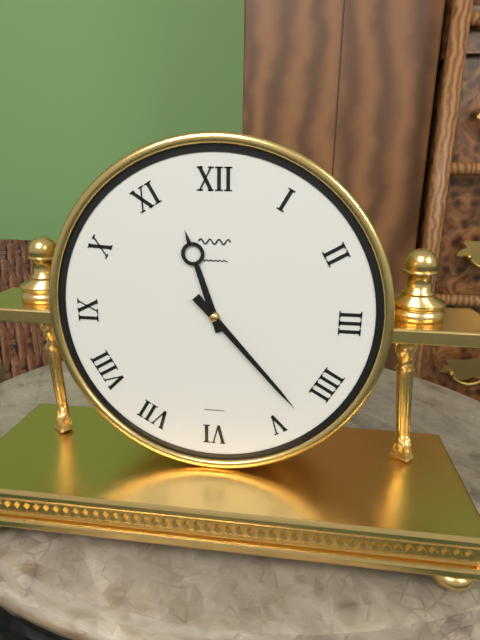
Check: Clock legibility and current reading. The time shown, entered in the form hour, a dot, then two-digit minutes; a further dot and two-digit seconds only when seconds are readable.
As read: 11.23
